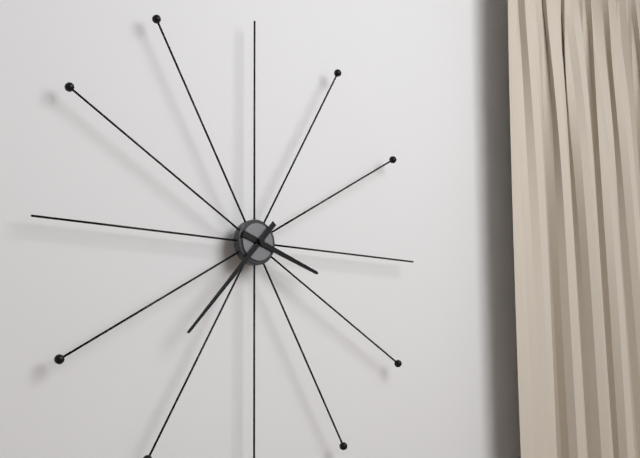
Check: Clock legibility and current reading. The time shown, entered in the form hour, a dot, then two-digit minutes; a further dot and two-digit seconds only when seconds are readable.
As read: 3.37
